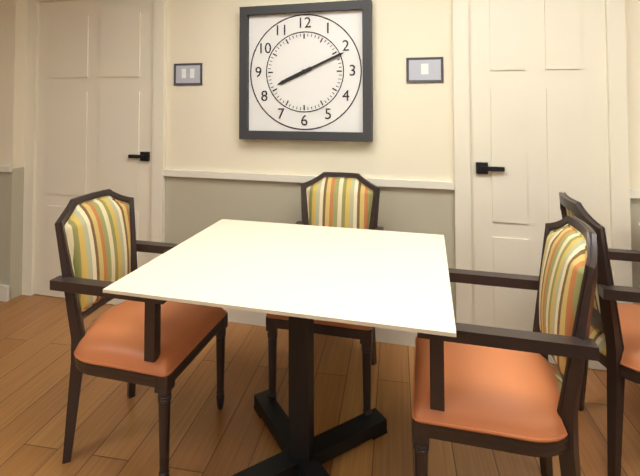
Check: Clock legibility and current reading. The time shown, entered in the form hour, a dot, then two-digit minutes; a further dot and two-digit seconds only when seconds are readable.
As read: 8.11
